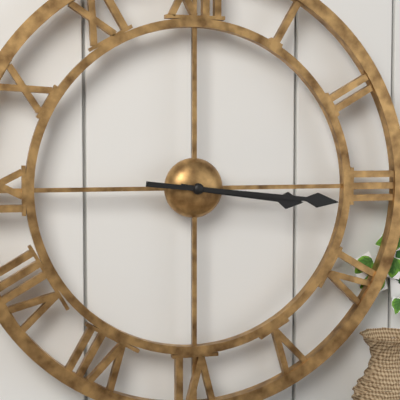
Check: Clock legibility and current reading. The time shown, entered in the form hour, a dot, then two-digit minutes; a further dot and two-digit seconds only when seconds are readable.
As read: 3.16
